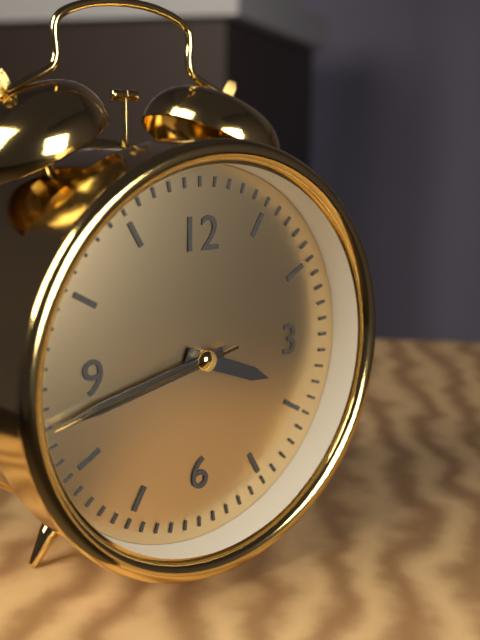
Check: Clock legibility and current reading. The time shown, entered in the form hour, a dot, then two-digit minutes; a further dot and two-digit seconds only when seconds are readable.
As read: 3.43.43
